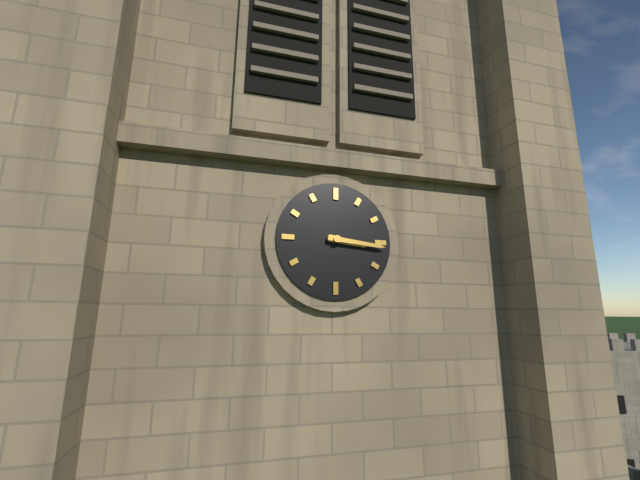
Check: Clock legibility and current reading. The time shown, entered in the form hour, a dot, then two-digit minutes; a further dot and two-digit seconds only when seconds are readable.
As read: 3.16
